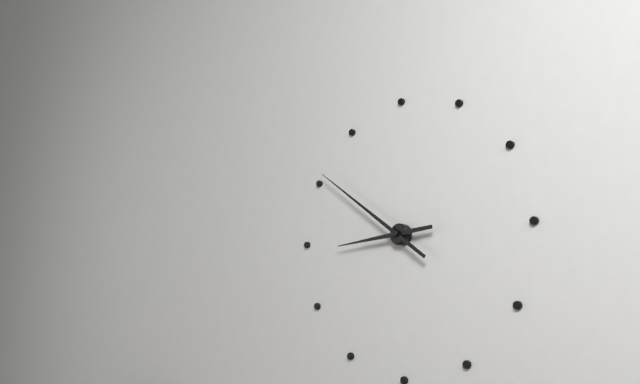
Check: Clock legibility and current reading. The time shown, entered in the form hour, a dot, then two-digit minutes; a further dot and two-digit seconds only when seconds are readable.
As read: 8.51
